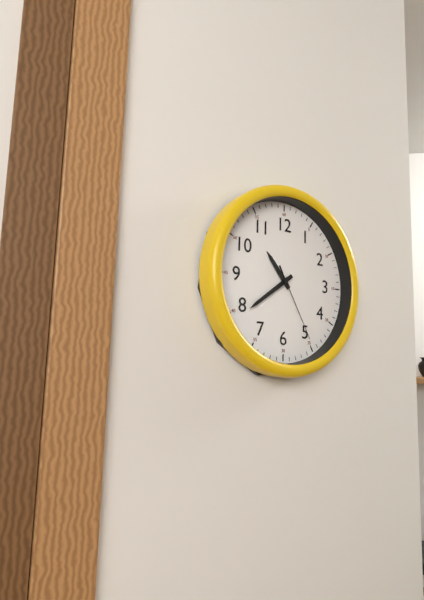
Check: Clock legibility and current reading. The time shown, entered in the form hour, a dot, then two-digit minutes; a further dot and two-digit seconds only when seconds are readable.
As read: 10.39.25
